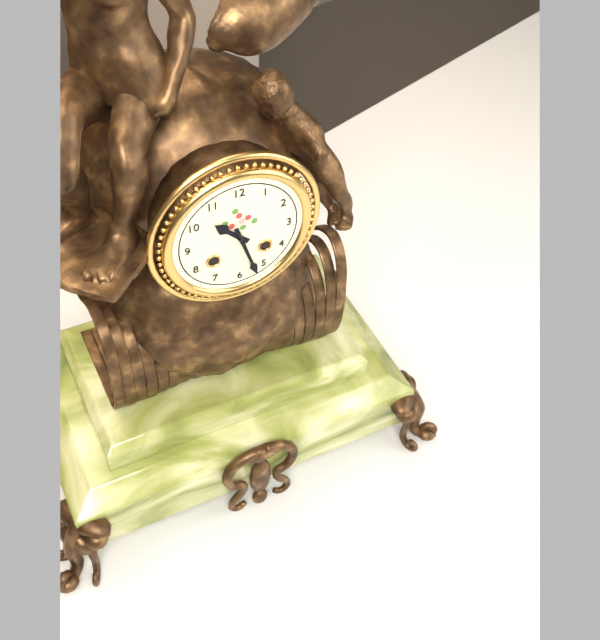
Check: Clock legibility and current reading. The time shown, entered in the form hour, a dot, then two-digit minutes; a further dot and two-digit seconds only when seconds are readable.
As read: 10.27
